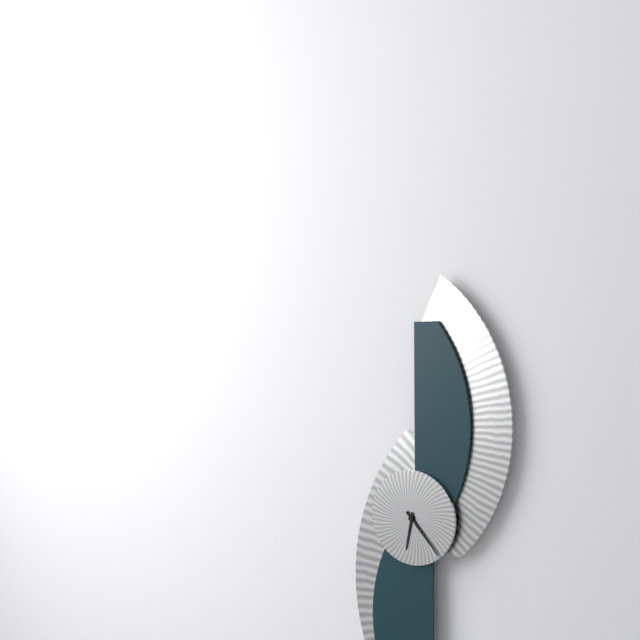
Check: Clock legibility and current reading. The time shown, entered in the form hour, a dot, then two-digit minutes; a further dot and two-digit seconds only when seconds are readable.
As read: 6.23
